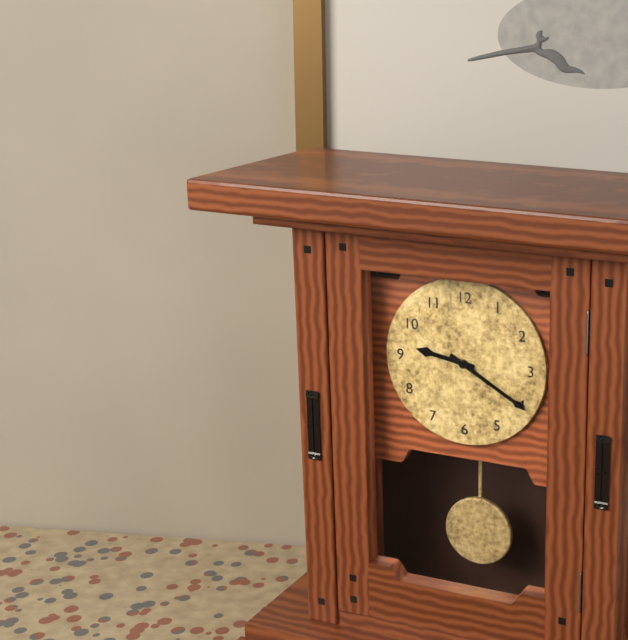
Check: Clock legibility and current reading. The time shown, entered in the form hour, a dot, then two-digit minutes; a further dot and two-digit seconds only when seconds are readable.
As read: 9.20
